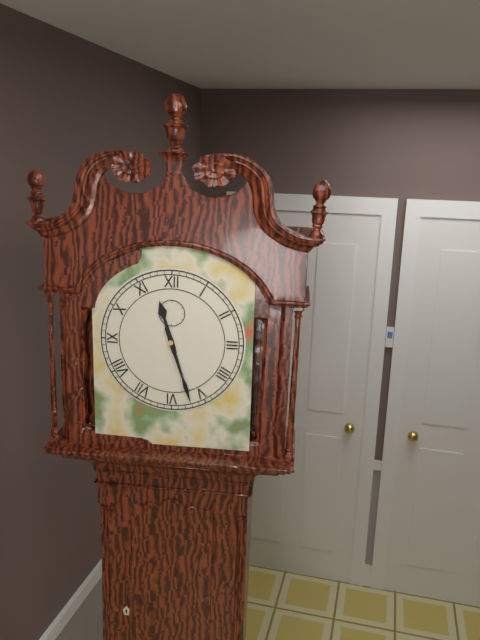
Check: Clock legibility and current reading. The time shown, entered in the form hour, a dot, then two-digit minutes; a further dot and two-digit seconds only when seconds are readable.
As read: 11.27
